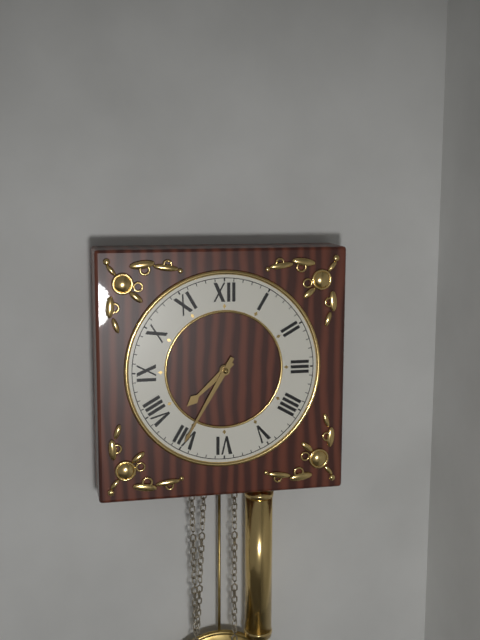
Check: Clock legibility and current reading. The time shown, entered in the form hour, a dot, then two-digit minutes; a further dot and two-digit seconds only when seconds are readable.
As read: 7.35
